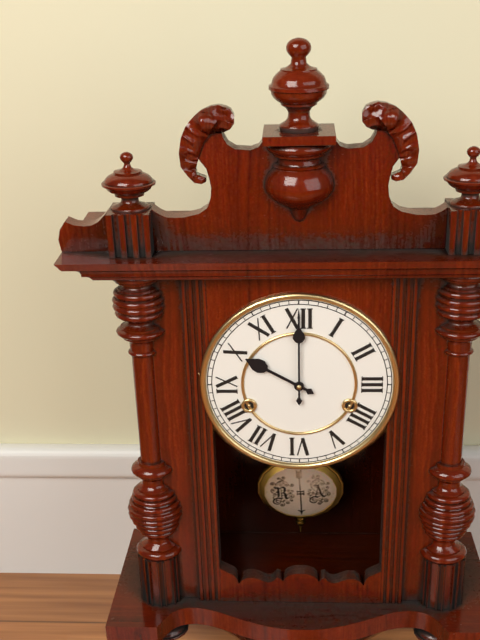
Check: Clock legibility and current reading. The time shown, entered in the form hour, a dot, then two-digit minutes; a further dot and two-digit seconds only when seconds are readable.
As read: 10.00
